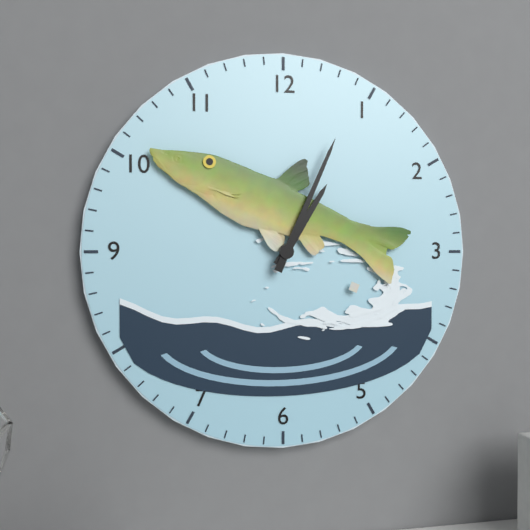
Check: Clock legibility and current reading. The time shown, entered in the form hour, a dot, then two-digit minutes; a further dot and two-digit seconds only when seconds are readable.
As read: 1.04
